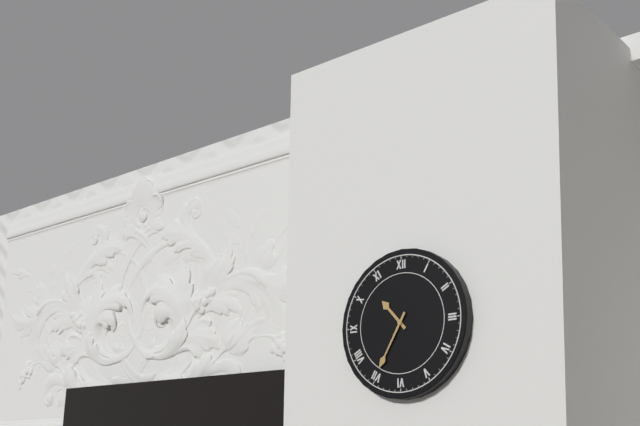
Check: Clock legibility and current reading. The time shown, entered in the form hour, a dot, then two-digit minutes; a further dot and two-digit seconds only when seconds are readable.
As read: 10.35
